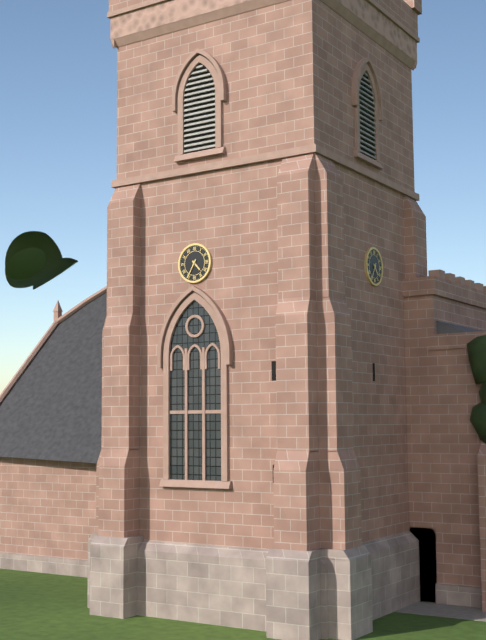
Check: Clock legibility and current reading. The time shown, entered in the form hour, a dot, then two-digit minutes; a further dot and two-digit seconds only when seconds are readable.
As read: 4.35
